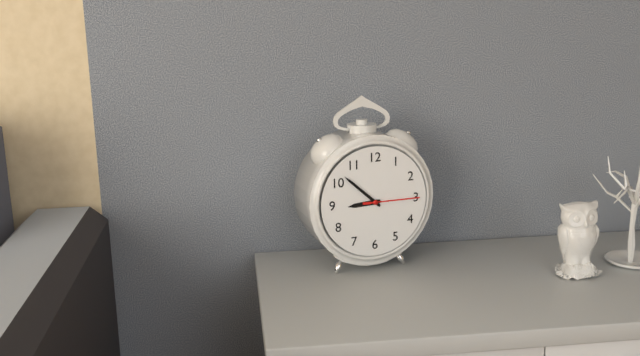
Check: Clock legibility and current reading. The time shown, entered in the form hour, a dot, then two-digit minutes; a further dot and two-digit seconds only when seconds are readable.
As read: 8.52.15
